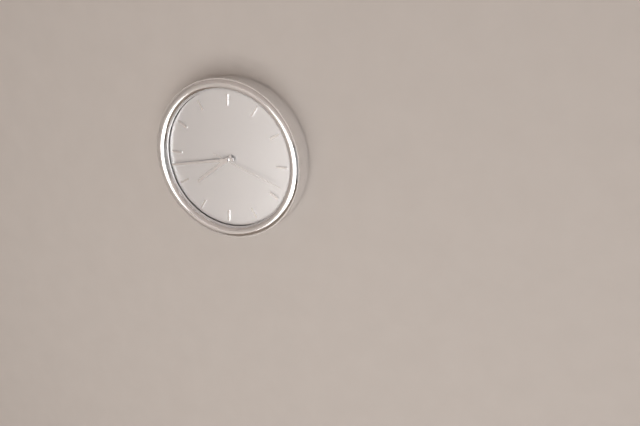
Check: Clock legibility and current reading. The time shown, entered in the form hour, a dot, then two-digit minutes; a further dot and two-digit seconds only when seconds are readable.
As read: 7.43.18
